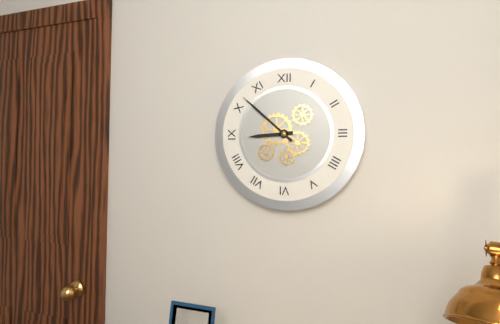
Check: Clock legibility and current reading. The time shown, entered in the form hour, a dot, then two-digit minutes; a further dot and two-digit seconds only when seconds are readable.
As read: 8.52
